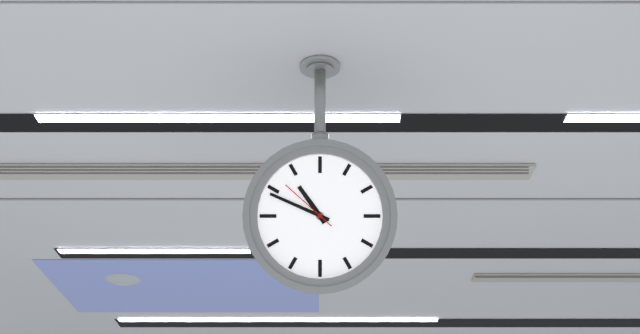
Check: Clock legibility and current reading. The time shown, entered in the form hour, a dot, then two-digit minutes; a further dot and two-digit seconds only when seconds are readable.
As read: 10.49.52
